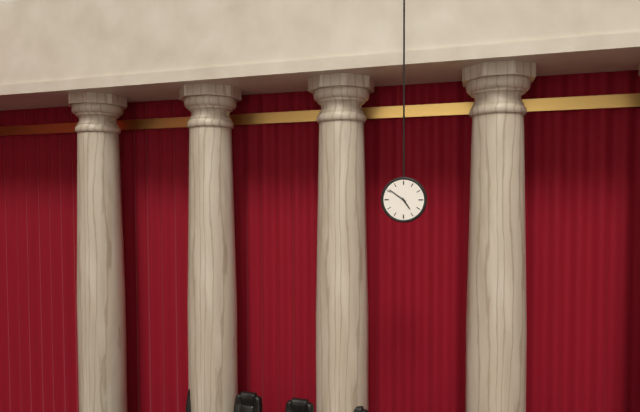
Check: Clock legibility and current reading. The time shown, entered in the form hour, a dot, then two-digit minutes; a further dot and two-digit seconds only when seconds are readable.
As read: 4.51
